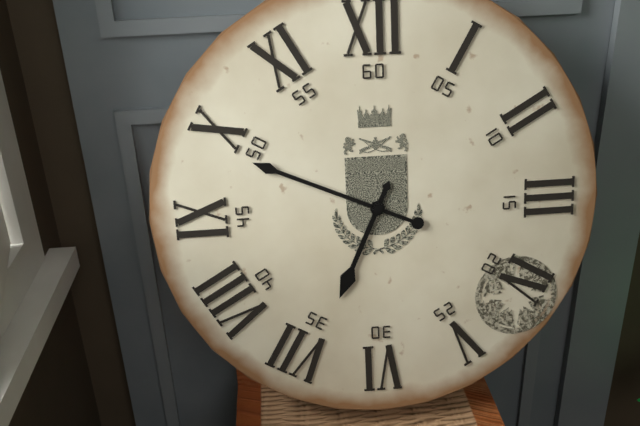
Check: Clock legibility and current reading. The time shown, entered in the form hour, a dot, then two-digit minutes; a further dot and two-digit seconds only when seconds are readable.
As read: 6.49
